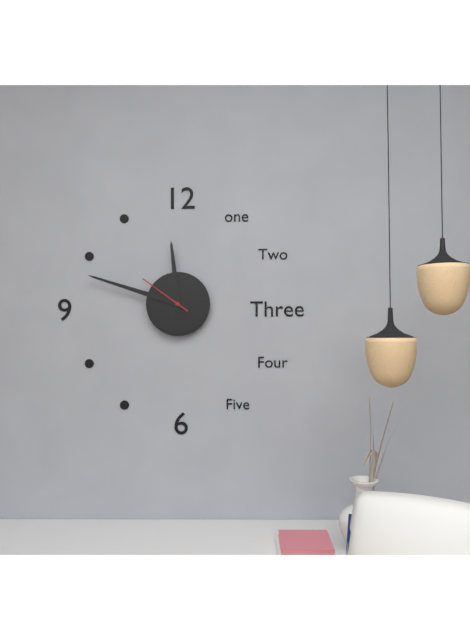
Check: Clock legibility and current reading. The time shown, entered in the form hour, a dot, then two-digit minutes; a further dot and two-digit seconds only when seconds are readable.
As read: 11.48.51
